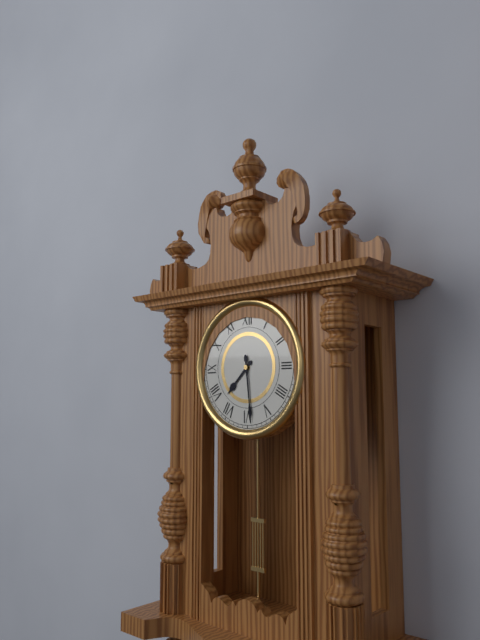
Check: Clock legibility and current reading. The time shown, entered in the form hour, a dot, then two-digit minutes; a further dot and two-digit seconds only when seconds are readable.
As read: 7.29
